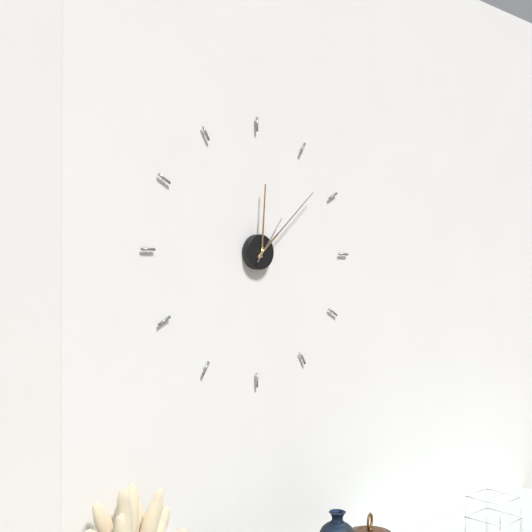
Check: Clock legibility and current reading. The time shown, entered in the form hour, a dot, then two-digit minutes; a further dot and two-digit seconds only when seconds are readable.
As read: 12.08
